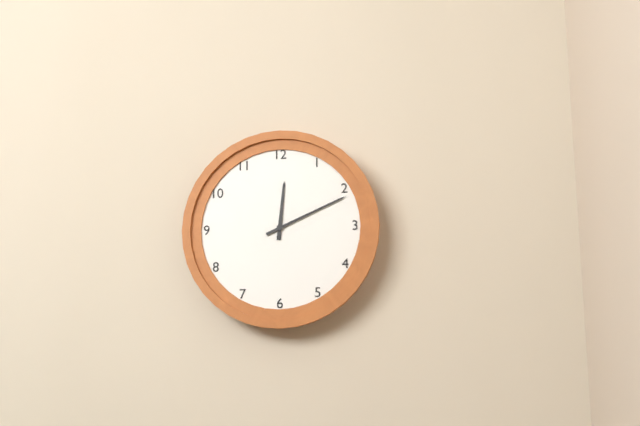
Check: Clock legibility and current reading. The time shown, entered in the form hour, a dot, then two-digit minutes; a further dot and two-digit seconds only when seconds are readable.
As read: 12.11
